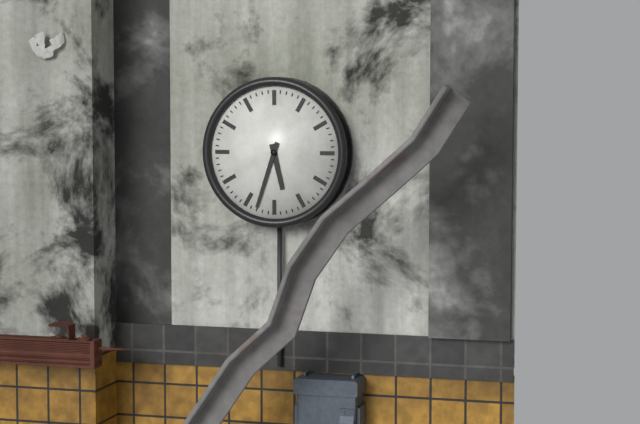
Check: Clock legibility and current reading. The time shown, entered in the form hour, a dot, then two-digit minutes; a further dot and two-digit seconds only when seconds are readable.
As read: 5.33
